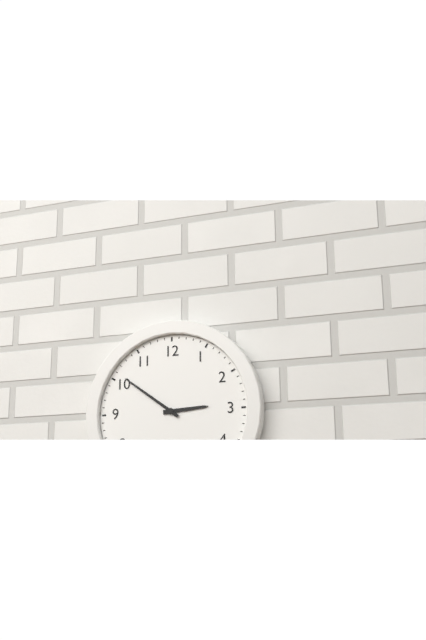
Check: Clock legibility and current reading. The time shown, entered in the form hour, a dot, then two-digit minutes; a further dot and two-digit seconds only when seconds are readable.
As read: 2.51
